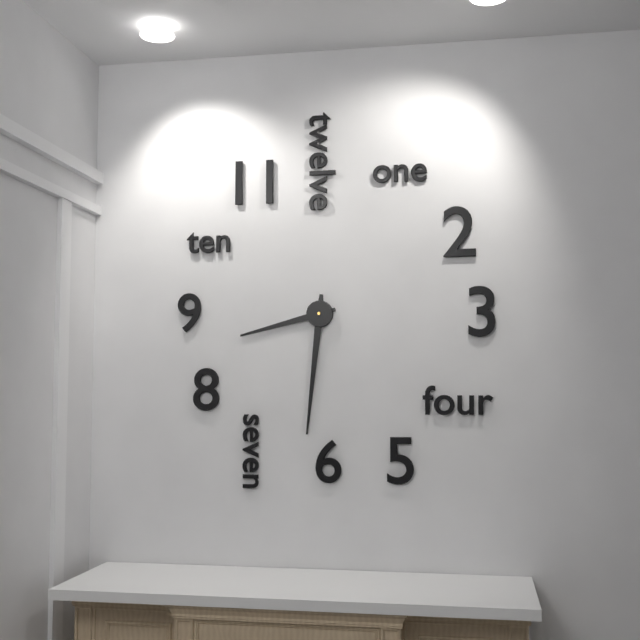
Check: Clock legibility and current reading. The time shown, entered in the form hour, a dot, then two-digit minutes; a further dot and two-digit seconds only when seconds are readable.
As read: 8.31
